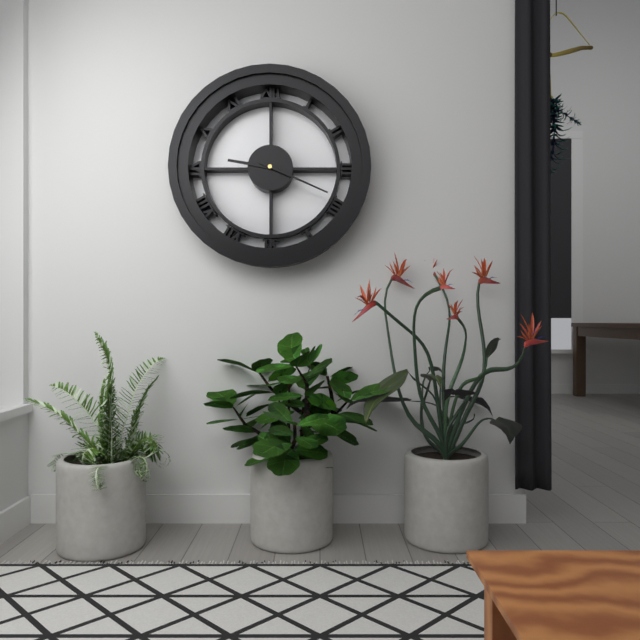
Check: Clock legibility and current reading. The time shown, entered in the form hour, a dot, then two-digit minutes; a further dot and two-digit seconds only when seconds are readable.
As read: 9.19
